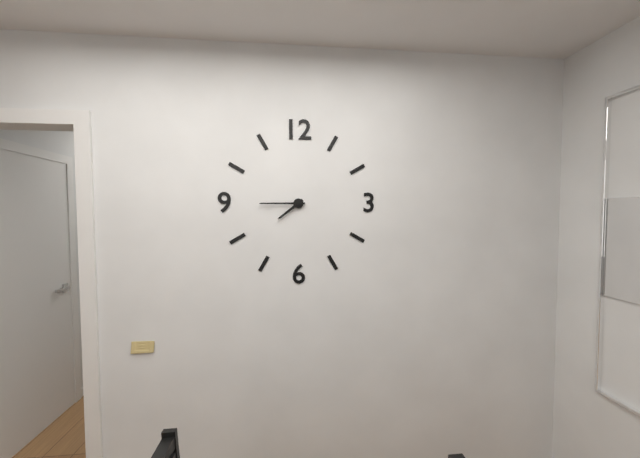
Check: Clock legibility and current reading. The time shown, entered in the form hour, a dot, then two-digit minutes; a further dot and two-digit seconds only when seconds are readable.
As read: 7.45
